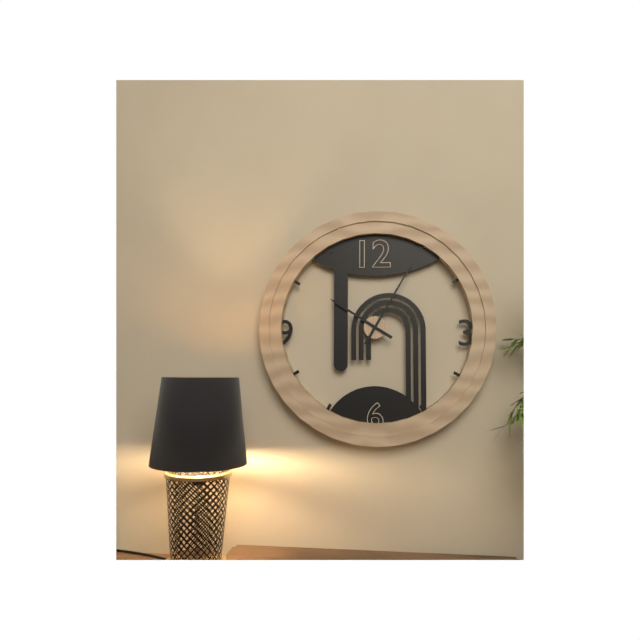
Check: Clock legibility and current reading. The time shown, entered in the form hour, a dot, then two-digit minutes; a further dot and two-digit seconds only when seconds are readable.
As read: 10.05
